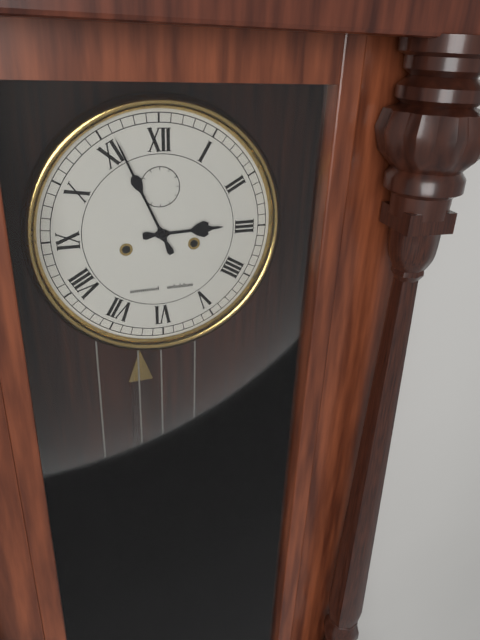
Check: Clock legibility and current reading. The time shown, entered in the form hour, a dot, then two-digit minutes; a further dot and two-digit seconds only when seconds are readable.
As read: 2.56
